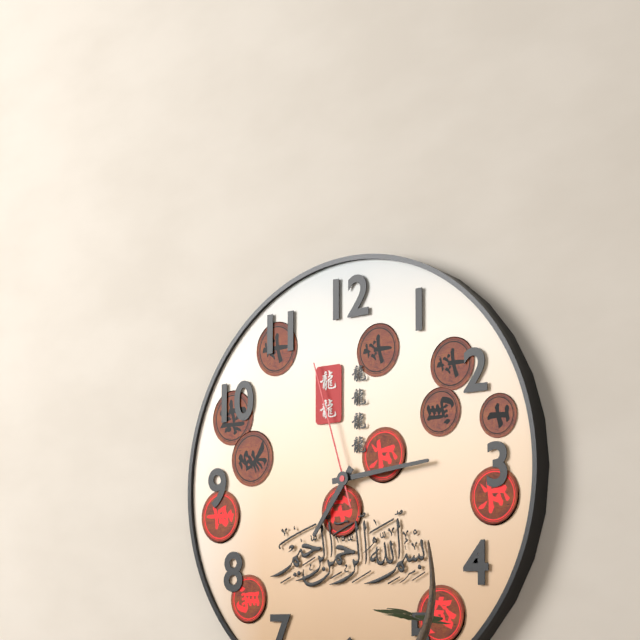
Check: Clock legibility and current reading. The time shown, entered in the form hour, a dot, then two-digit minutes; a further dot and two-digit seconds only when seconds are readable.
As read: 7.14.57
